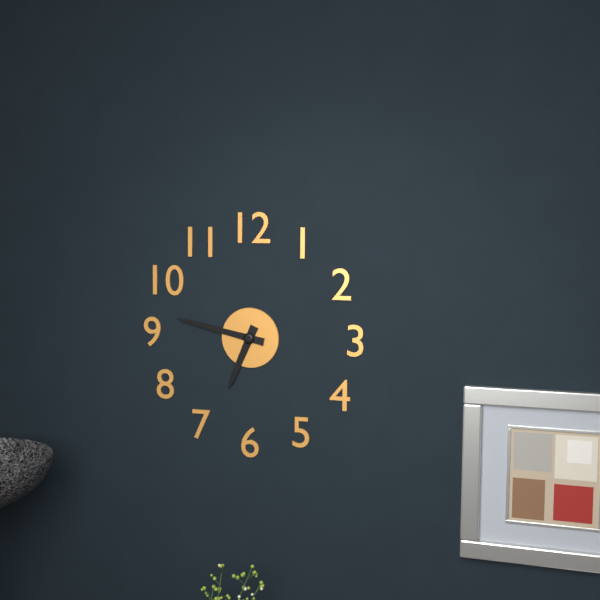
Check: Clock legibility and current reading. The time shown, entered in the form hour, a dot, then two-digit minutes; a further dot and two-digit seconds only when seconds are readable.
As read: 6.47
